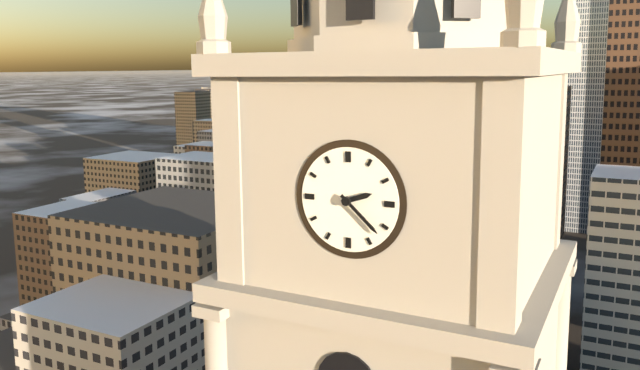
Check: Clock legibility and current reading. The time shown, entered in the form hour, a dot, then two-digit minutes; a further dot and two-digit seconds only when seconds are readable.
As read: 2.22
